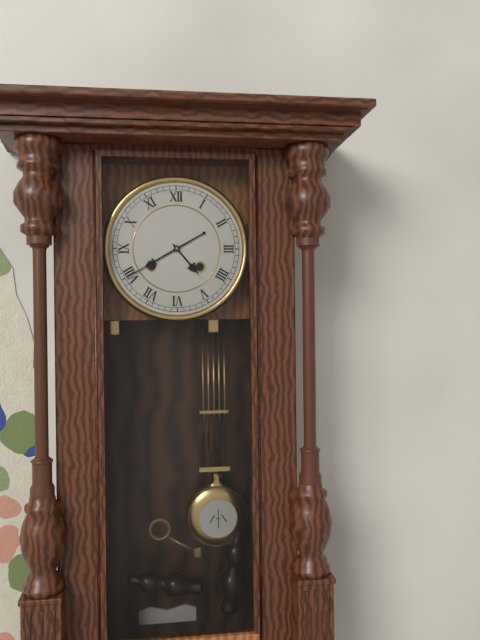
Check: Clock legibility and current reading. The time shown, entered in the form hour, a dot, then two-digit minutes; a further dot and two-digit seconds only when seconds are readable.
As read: 4.40
